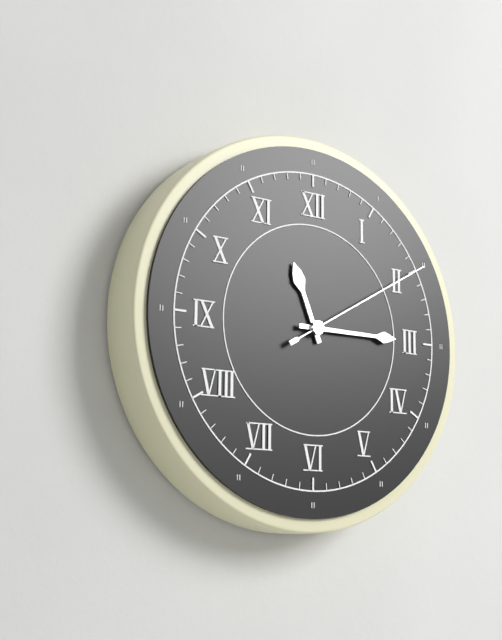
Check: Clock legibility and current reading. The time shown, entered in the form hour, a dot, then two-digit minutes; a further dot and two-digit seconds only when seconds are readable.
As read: 11.15.10
